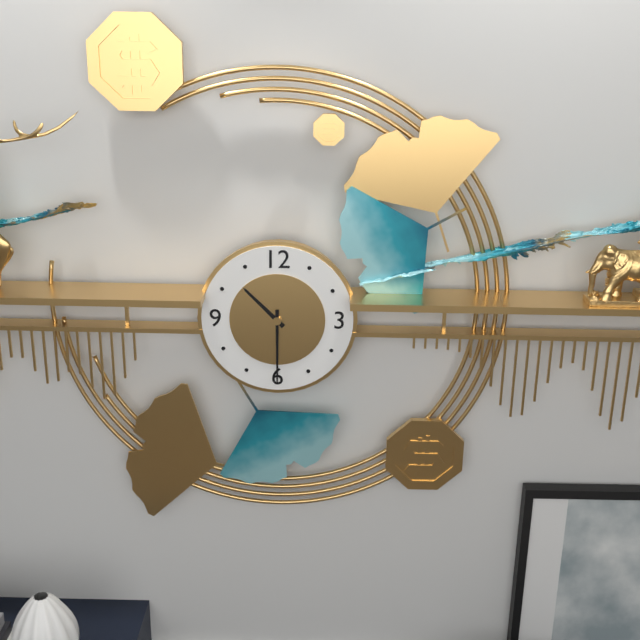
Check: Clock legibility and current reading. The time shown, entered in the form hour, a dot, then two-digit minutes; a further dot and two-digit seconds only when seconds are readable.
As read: 10.30
